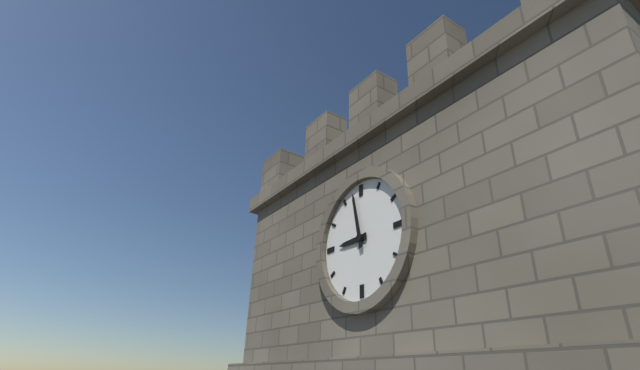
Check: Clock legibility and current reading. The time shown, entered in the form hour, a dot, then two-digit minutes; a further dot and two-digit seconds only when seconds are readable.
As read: 8.58
